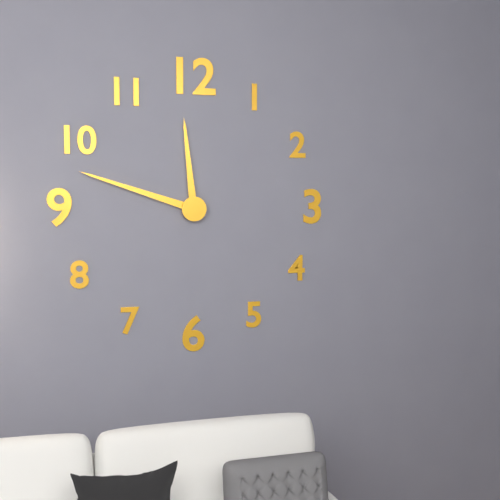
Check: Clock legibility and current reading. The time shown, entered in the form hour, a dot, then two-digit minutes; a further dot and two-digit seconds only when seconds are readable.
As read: 11.48
